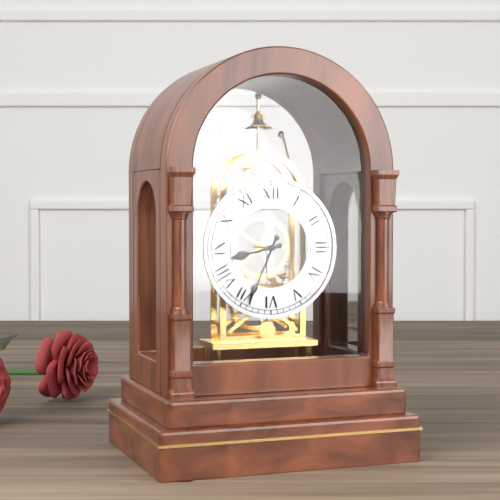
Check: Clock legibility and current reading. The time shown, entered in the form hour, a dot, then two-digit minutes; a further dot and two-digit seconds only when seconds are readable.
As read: 8.34
